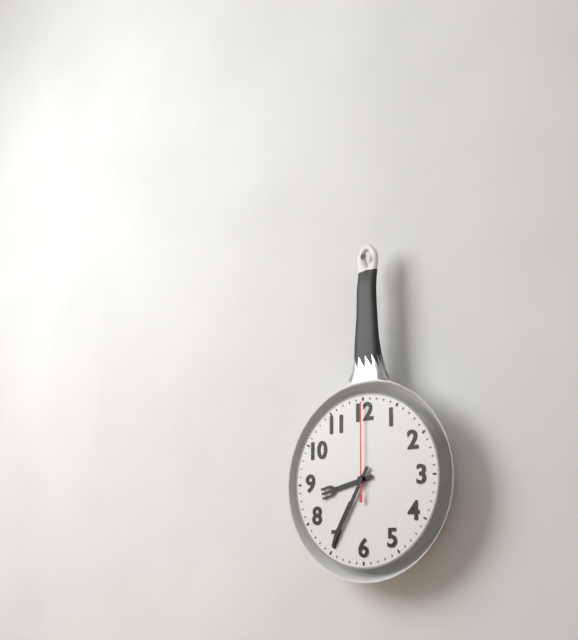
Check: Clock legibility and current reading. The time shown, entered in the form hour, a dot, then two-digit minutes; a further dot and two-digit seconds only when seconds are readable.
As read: 8.35.00
